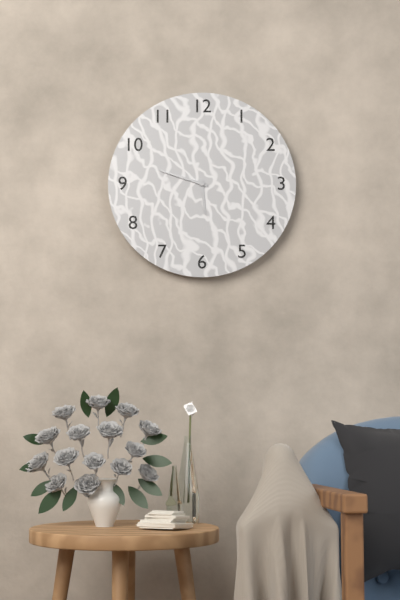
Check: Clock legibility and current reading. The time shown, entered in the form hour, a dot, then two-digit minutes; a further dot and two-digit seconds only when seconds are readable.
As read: 5.48
